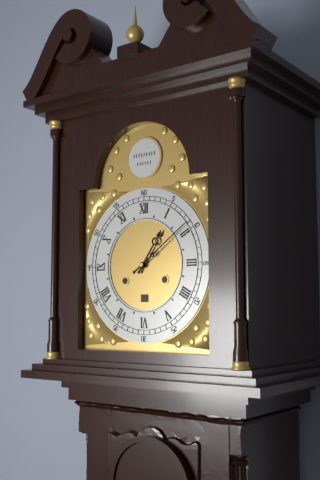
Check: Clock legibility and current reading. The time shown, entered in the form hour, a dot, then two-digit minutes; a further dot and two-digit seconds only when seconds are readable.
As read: 1.09
